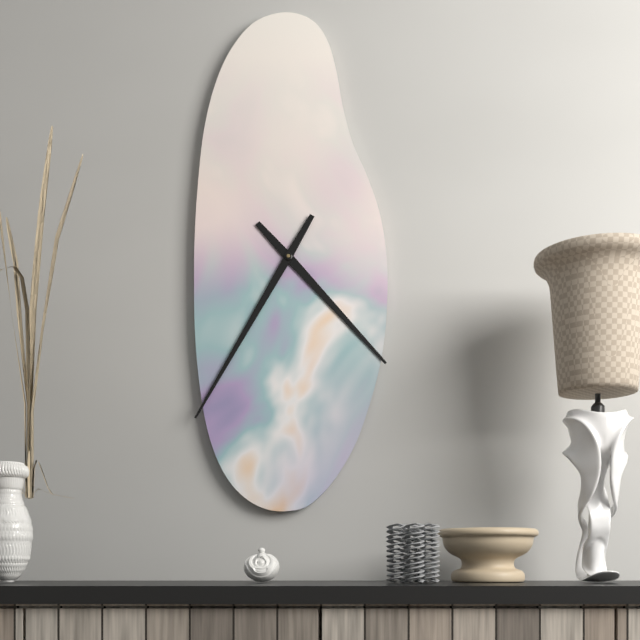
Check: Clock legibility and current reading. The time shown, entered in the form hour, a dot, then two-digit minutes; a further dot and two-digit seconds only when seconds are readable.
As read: 4.35
